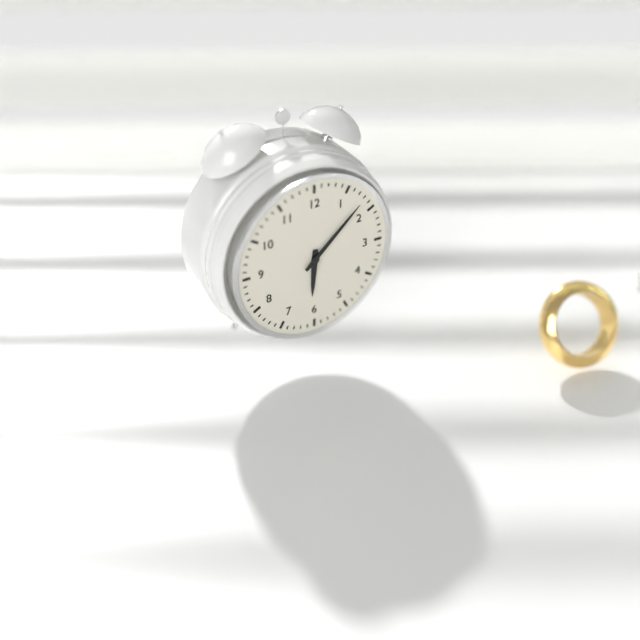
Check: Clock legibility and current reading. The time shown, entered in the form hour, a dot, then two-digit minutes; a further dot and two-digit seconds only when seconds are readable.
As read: 6.08
